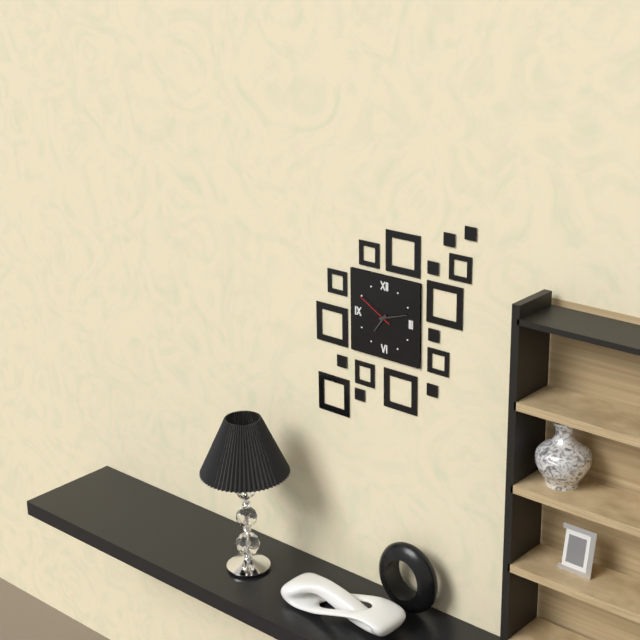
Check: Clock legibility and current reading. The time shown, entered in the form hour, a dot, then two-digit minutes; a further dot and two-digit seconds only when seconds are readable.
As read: 7.12
